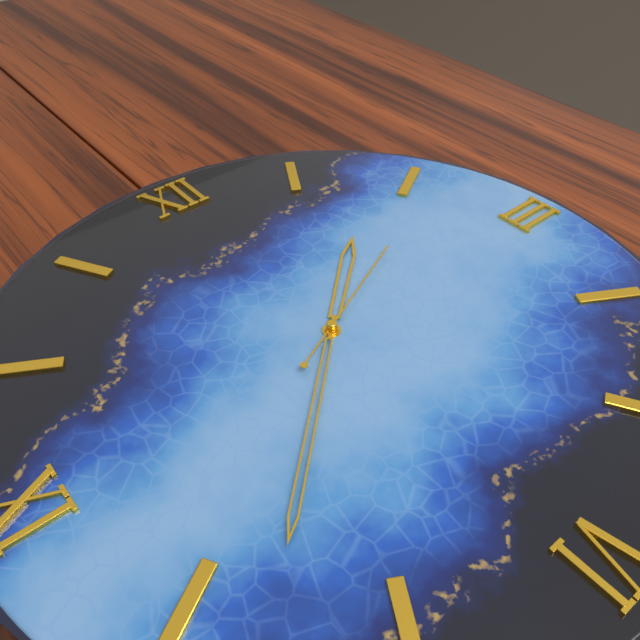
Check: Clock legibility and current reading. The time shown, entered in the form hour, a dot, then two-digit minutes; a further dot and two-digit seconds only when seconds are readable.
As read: 1.38.11
